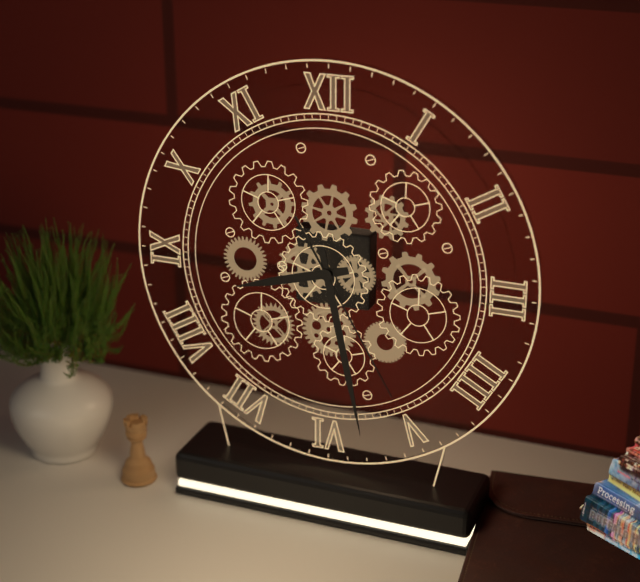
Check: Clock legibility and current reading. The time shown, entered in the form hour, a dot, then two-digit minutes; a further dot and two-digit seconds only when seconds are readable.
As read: 8.28.25
